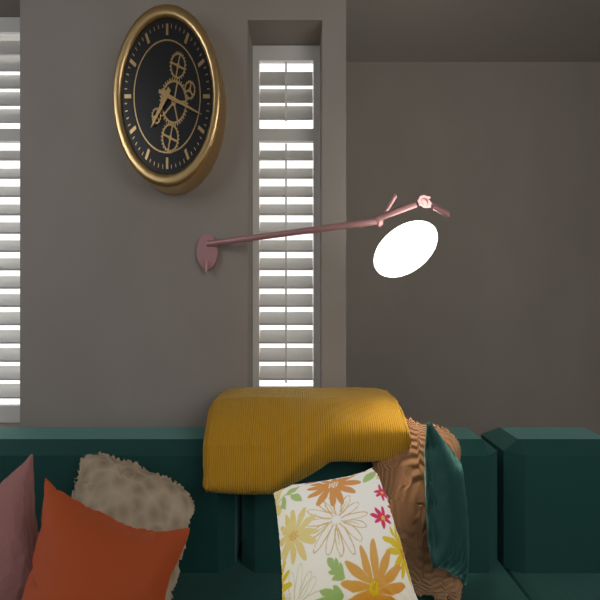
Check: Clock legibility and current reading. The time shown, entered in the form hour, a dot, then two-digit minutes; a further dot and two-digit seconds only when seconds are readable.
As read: 7.18
